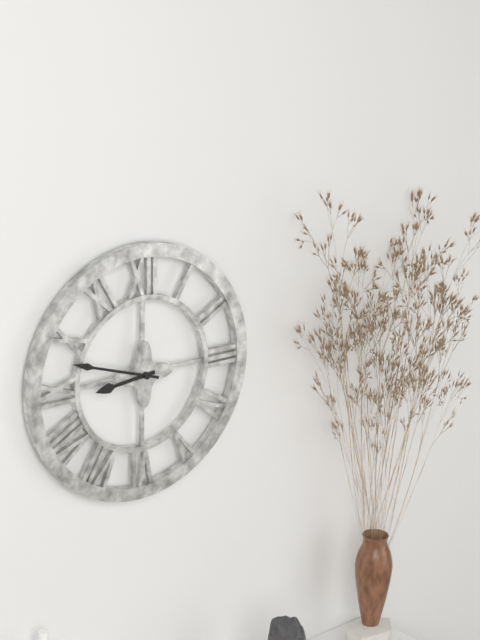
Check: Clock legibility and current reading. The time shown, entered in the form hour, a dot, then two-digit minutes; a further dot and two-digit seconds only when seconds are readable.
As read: 8.48
